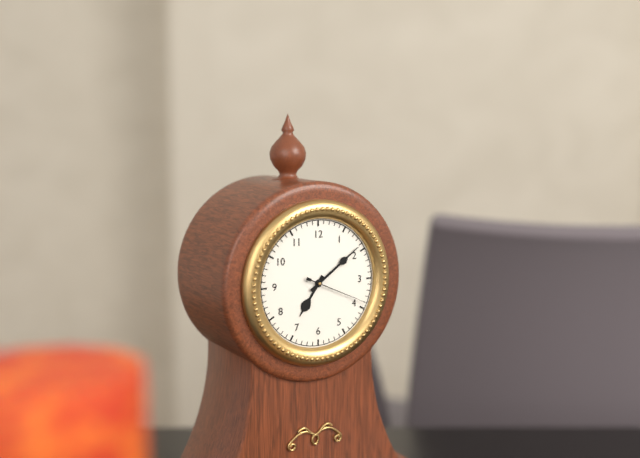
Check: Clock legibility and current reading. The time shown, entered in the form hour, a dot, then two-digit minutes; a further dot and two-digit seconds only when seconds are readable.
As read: 7.09.19
